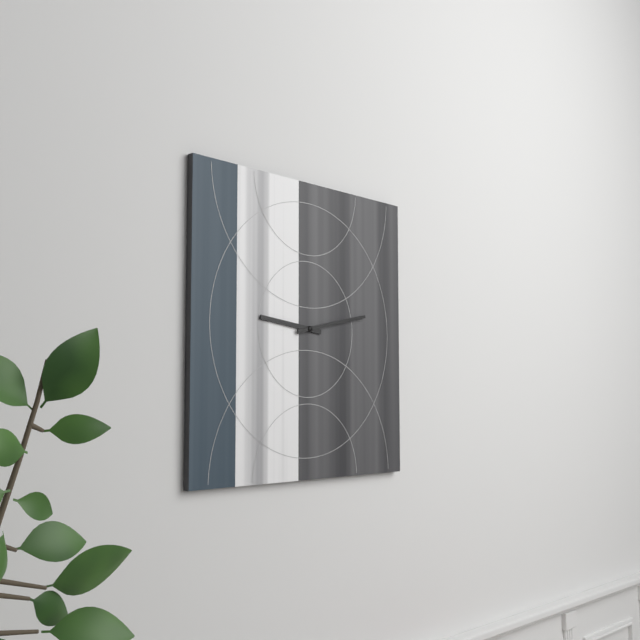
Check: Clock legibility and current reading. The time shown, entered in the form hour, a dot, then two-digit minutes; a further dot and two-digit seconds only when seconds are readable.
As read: 9.13
